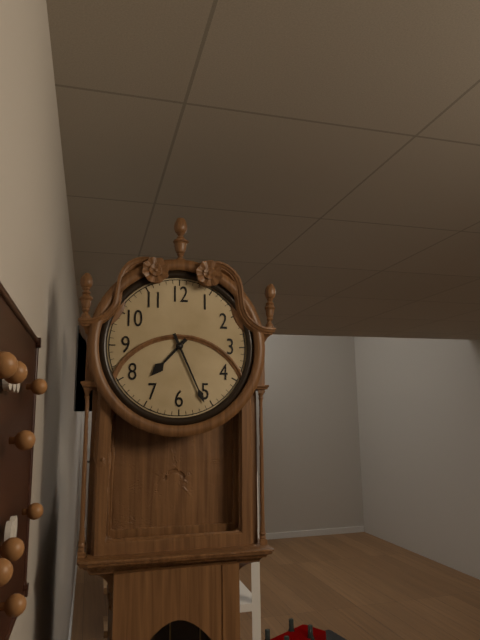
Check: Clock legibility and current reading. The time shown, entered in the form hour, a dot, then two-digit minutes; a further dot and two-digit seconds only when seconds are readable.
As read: 7.26
